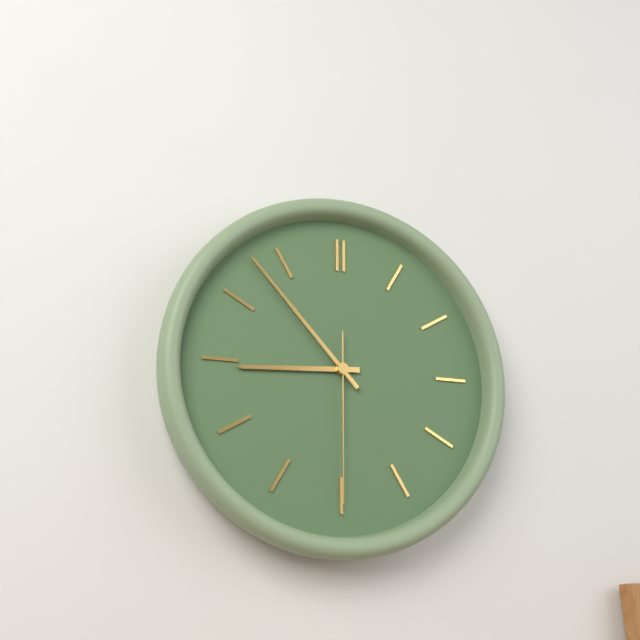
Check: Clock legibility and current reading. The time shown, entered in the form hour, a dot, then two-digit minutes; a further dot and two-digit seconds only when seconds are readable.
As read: 8.53.30
